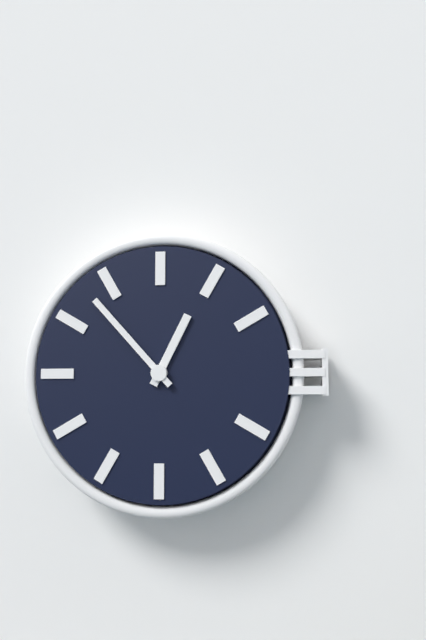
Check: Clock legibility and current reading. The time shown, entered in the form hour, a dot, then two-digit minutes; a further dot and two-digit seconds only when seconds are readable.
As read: 12.53
